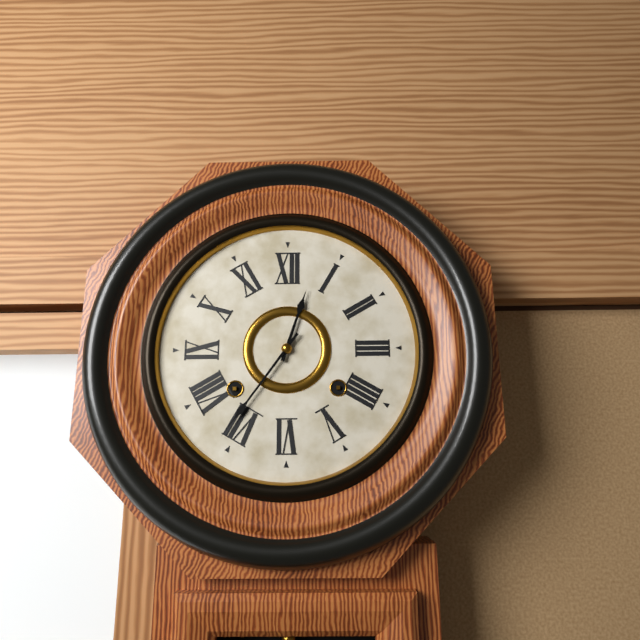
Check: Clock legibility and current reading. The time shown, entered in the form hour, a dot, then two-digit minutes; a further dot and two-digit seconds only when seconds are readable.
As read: 12.36
